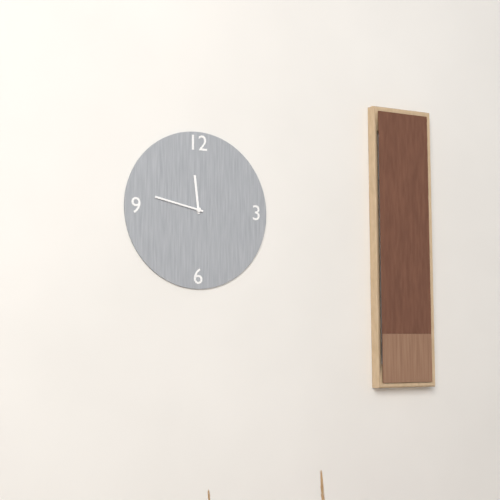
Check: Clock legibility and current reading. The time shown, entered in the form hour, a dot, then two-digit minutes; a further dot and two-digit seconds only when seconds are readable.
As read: 11.47
